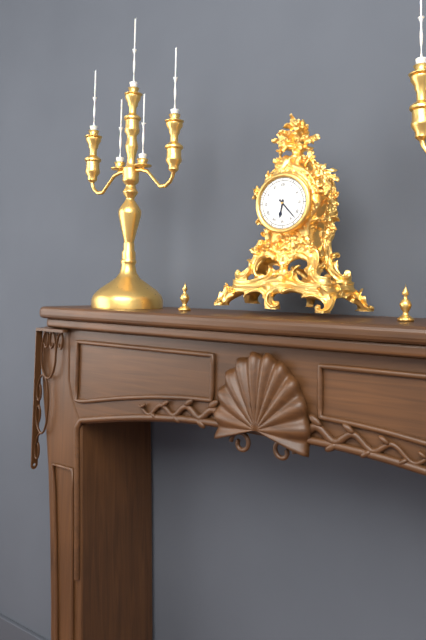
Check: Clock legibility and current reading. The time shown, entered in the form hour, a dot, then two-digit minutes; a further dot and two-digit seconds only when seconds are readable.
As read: 6.23
